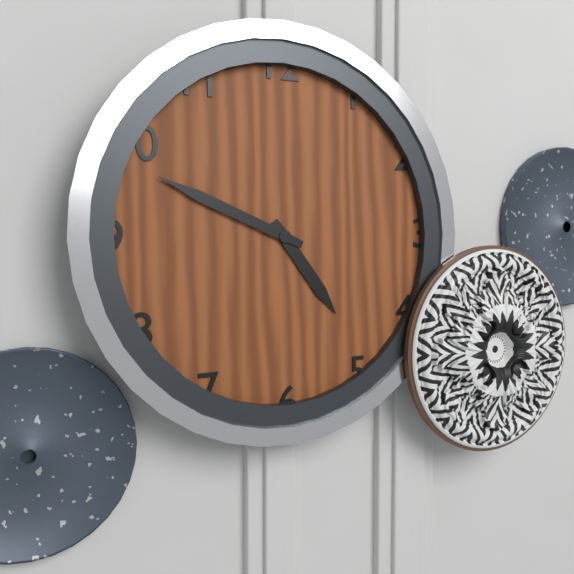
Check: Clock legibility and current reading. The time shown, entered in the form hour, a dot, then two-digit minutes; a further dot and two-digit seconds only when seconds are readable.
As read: 4.49
